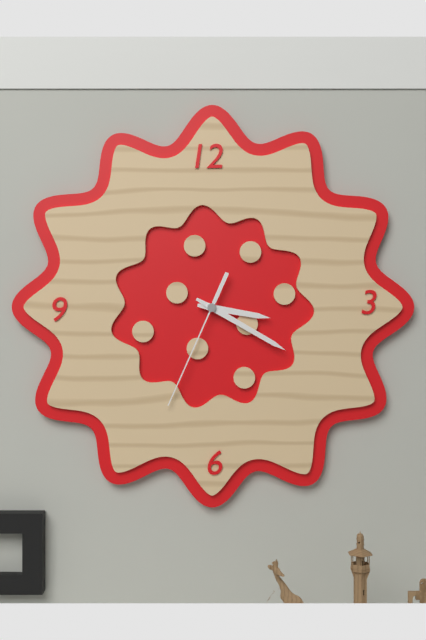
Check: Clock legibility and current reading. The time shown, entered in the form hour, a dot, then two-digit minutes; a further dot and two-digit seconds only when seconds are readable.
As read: 3.20.34
